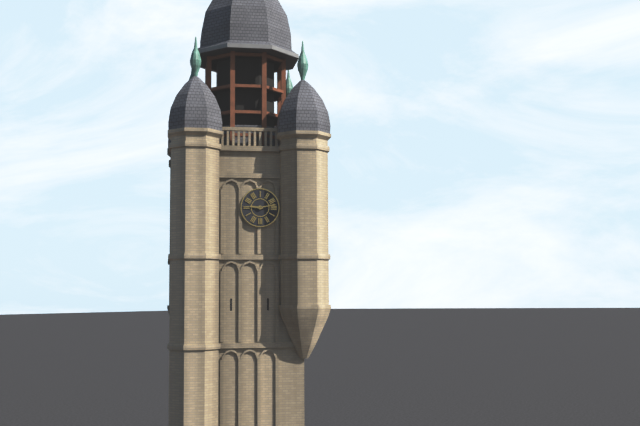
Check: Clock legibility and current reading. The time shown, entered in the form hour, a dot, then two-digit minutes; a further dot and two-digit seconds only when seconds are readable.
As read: 9.13
